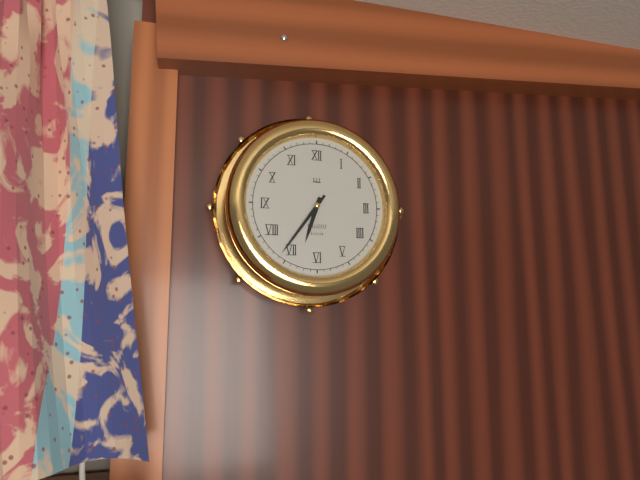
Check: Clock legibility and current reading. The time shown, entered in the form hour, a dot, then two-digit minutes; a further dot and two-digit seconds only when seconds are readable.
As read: 6.36
